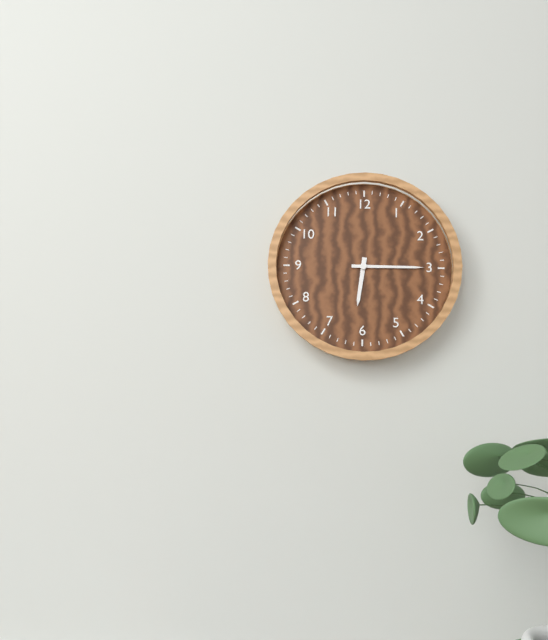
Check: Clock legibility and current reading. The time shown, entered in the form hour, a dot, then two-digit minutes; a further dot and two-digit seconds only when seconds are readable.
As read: 6.15
